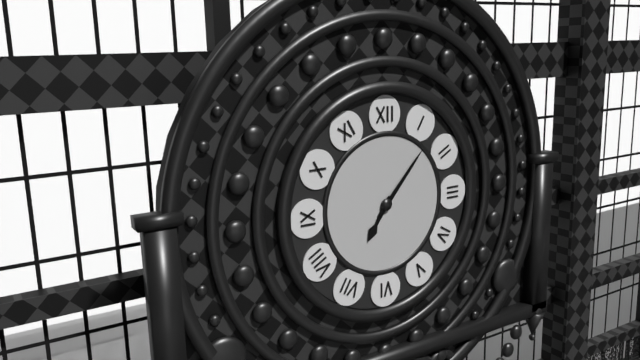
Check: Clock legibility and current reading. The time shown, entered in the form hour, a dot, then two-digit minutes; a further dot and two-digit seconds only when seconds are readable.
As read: 7.07
